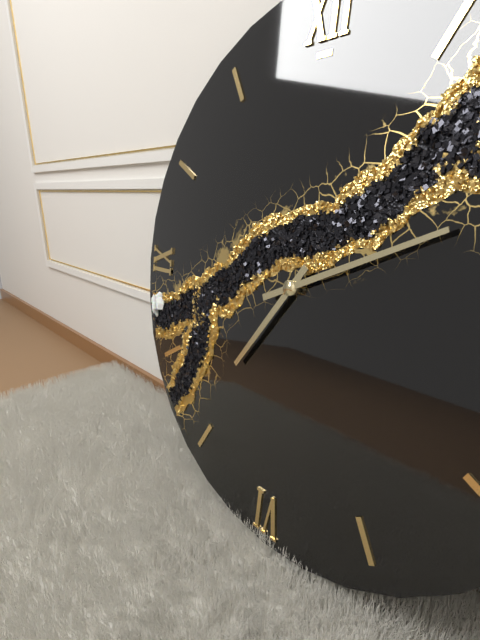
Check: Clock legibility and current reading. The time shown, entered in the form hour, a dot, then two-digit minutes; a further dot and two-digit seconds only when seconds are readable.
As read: 7.11
